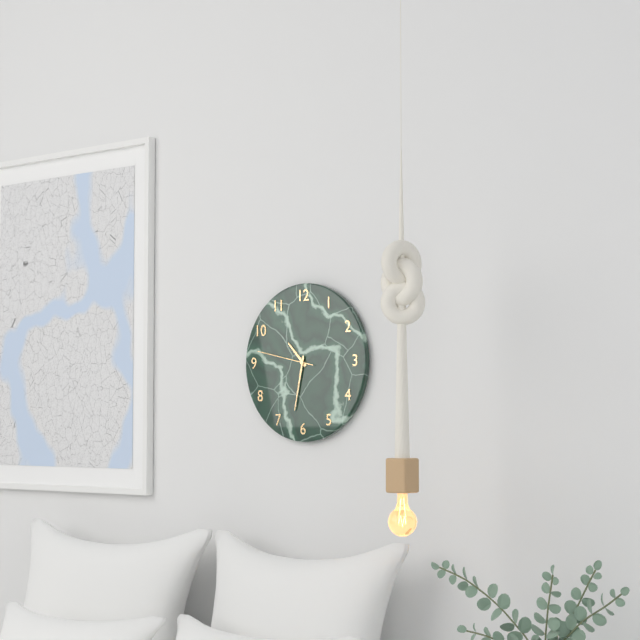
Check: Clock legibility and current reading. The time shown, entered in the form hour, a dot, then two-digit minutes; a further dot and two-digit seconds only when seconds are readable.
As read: 10.32.47
